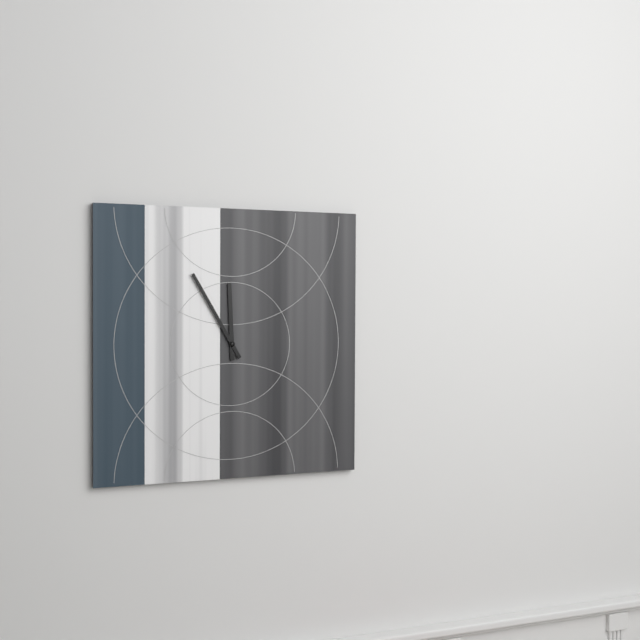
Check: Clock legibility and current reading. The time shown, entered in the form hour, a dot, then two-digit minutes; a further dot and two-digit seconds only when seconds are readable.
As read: 11.55
